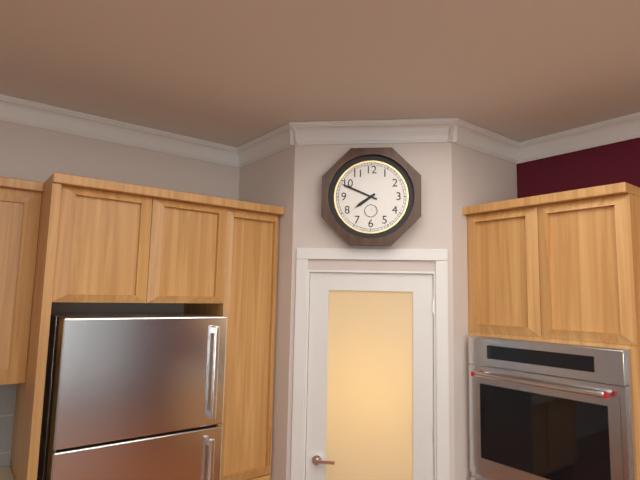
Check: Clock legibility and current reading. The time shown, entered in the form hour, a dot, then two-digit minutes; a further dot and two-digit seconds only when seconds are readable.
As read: 7.49
